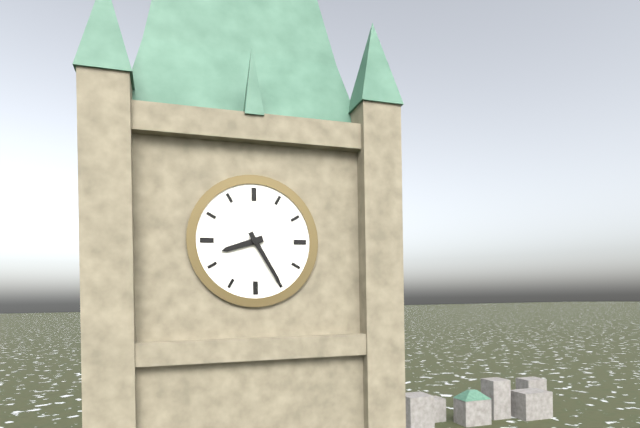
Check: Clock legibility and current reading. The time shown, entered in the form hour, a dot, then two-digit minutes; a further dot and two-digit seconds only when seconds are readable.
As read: 8.25
